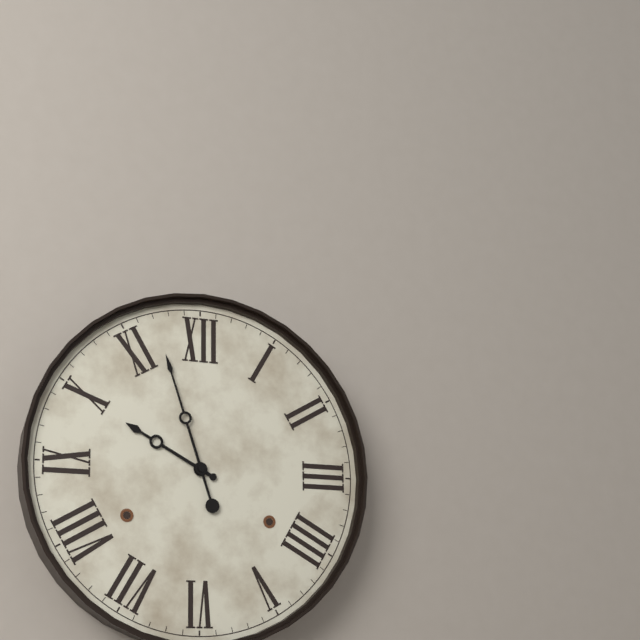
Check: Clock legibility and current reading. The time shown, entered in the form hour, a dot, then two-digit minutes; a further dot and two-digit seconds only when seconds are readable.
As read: 9.57
